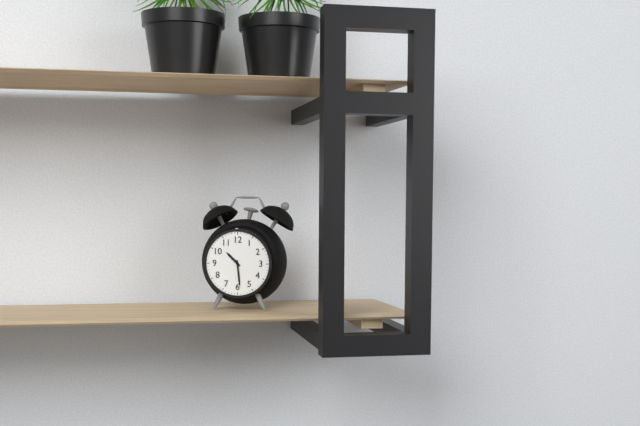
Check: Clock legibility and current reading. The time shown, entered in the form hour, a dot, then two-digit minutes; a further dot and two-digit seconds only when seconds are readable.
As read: 10.29
